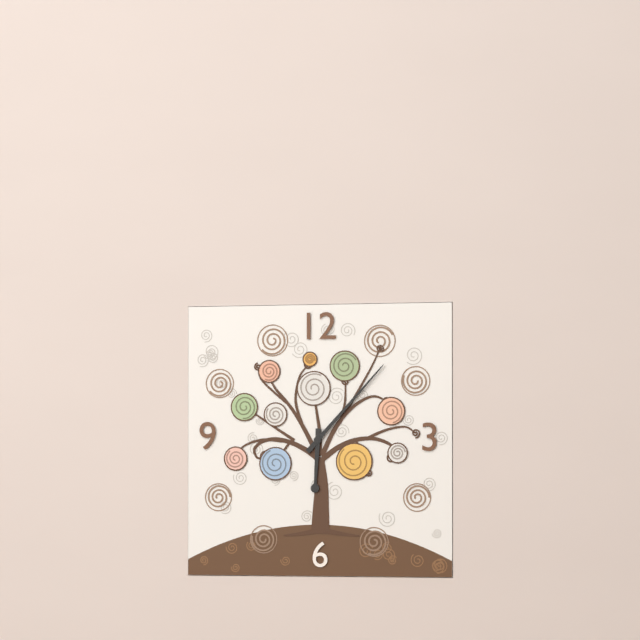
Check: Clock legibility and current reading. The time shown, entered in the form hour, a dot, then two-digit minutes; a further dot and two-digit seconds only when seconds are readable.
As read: 6.07
